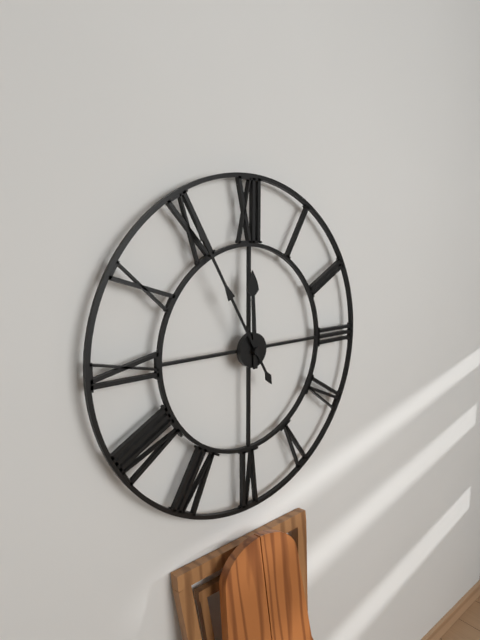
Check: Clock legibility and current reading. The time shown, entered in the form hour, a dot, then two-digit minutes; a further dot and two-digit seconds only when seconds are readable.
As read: 11.55
